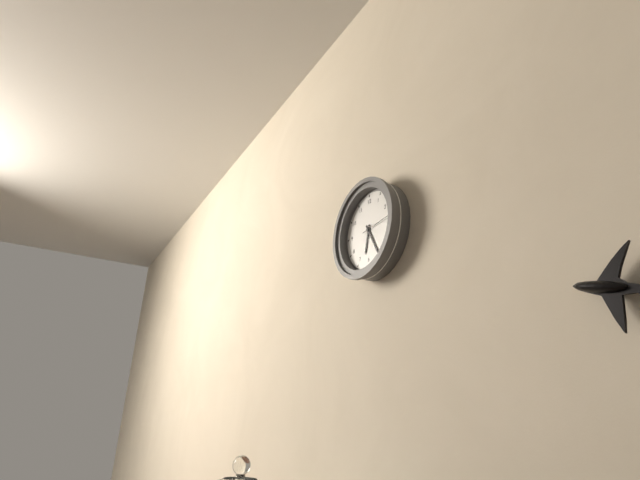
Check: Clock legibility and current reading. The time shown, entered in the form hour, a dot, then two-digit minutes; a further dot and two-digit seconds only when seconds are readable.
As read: 6.25
